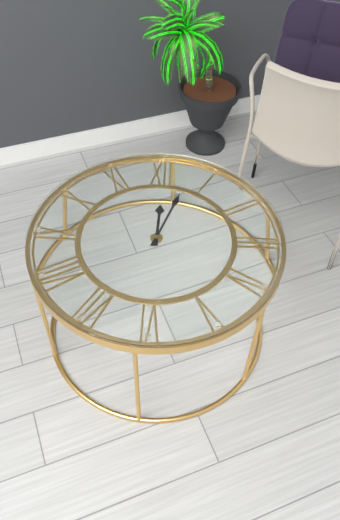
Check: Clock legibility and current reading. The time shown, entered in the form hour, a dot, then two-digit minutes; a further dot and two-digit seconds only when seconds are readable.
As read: 12.03
